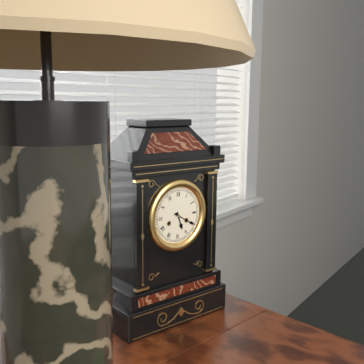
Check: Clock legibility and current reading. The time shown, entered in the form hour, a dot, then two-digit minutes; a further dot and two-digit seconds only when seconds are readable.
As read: 5.20
